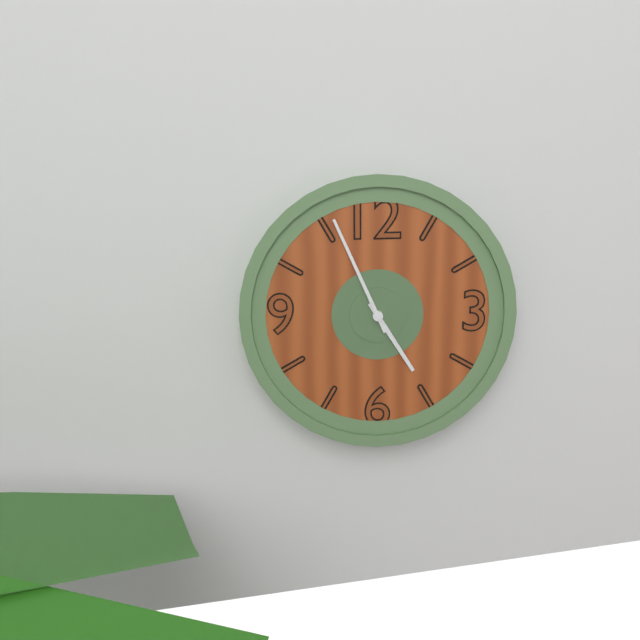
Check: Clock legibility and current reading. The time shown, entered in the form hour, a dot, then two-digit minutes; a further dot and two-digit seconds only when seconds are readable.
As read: 4.56
